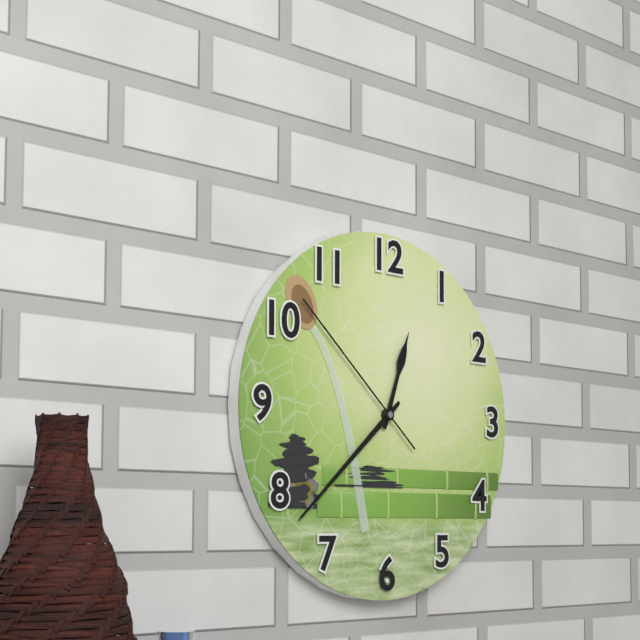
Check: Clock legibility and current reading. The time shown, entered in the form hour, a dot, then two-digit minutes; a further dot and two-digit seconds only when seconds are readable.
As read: 12.38.52
